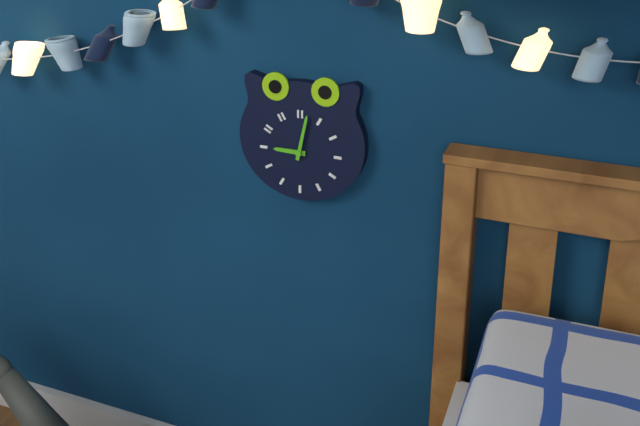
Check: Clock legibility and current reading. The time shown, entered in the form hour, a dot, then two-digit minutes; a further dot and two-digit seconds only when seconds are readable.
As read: 9.02
